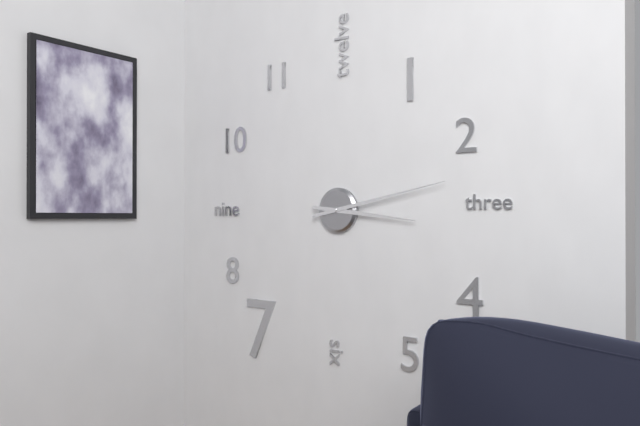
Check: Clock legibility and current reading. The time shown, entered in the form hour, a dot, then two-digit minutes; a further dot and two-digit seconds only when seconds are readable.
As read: 3.13
